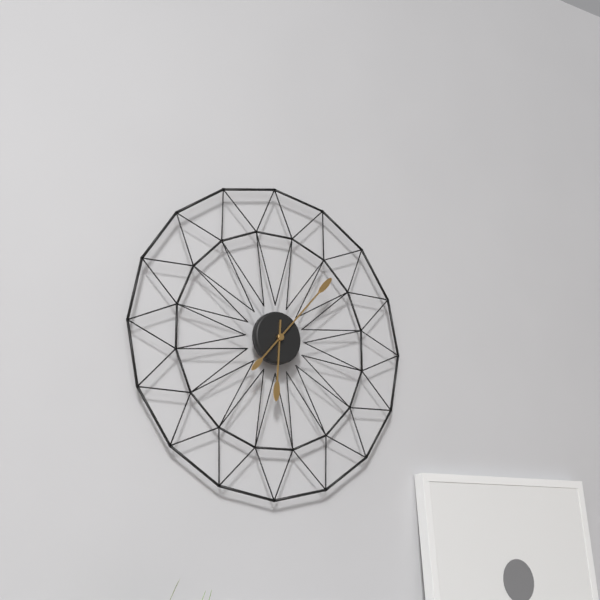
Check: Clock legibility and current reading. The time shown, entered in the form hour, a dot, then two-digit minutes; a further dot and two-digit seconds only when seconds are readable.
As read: 6.07
